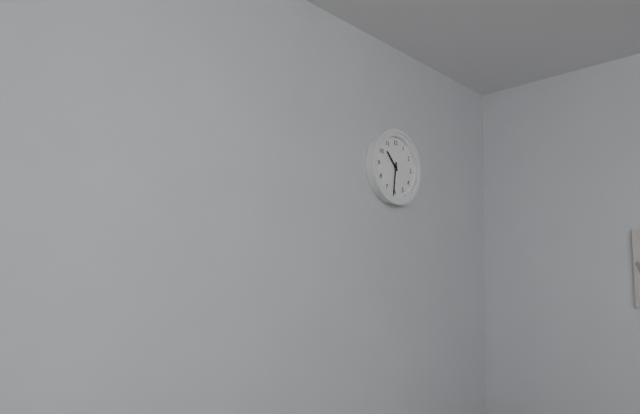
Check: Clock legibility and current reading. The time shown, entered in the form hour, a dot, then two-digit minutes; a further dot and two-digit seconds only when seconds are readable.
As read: 10.31
